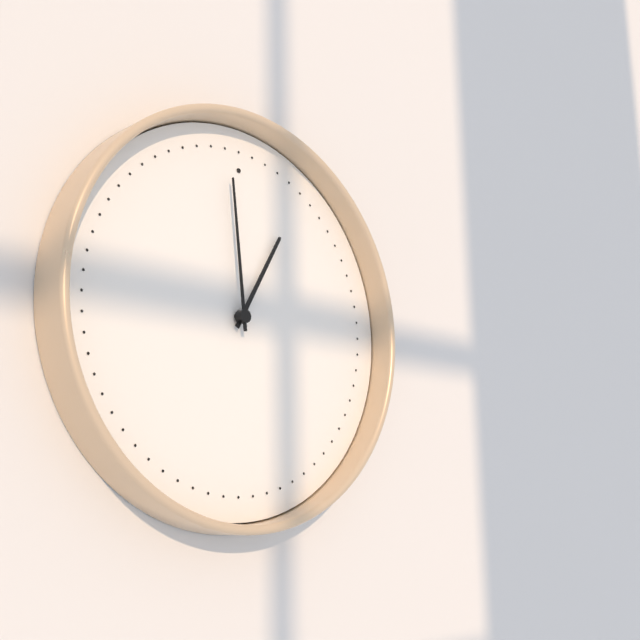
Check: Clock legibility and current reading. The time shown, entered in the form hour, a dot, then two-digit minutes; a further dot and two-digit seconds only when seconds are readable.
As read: 12.59
